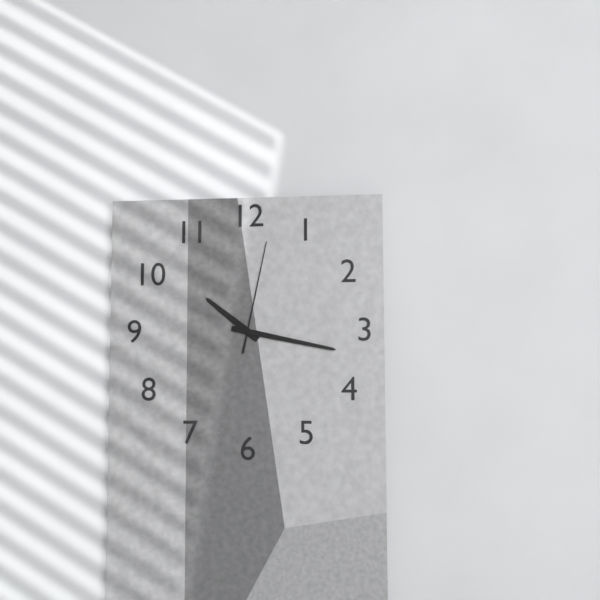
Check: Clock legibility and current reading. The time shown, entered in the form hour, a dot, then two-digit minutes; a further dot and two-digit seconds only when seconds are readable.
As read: 10.17.02
